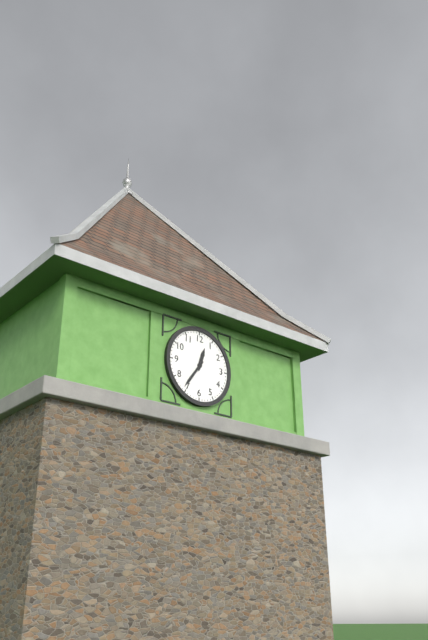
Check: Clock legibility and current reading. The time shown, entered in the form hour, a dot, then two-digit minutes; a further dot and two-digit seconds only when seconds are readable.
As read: 12.36
